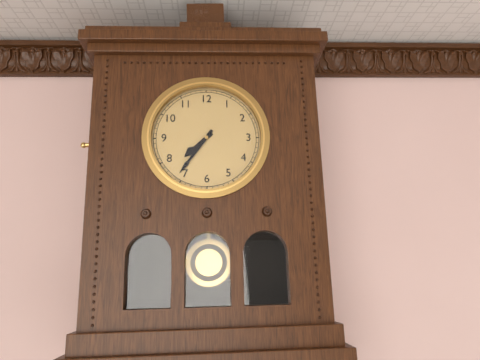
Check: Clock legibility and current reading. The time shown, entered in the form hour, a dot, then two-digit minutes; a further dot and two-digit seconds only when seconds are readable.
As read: 7.36
